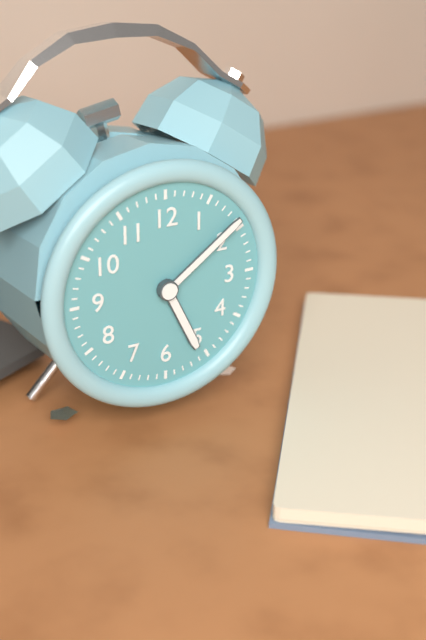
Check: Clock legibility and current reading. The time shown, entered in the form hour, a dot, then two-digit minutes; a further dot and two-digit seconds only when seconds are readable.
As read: 5.09
